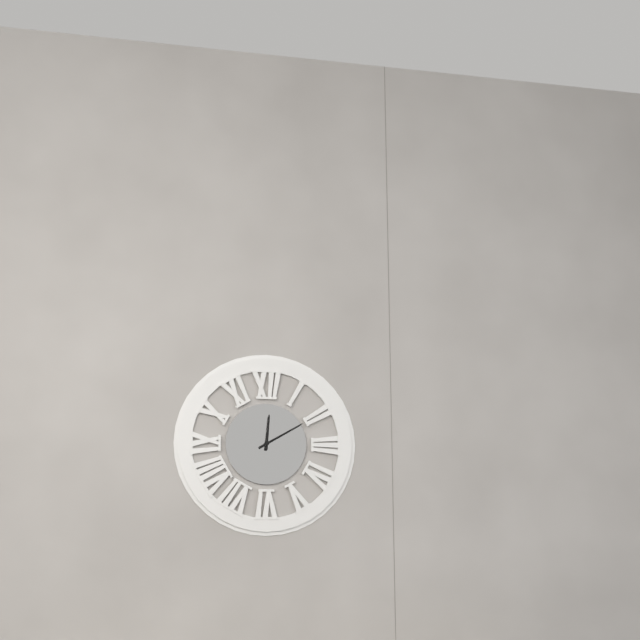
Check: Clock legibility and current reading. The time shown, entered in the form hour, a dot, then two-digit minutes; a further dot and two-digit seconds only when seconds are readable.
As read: 12.10
